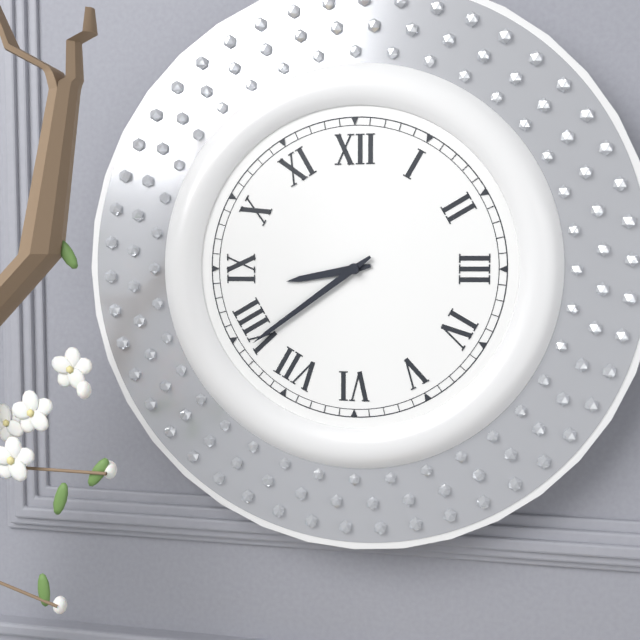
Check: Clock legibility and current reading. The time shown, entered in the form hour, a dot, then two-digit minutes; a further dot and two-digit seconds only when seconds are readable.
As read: 8.39
